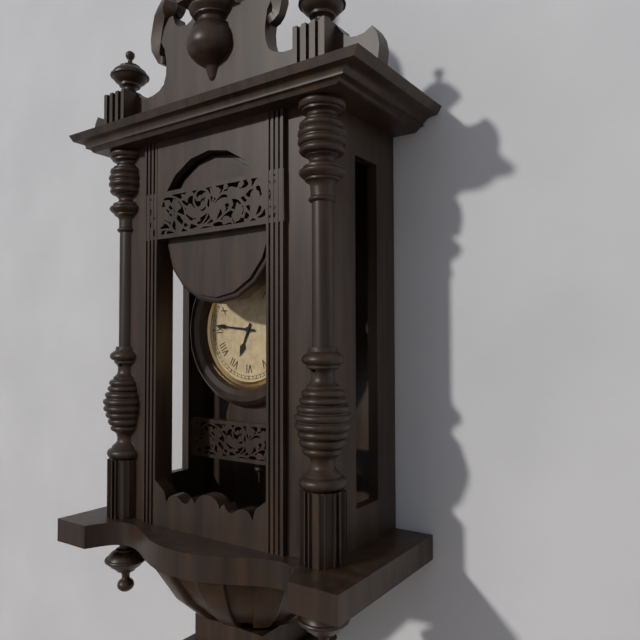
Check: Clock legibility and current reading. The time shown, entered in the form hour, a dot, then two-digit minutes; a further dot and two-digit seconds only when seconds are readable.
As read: 6.46
